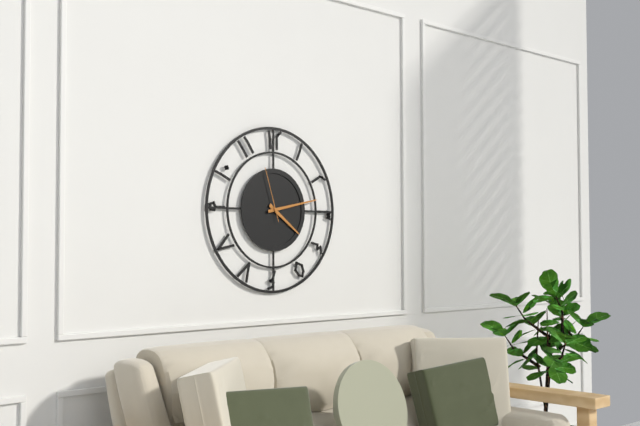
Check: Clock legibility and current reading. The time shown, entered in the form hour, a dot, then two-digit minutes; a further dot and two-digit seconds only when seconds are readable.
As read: 4.13.57
